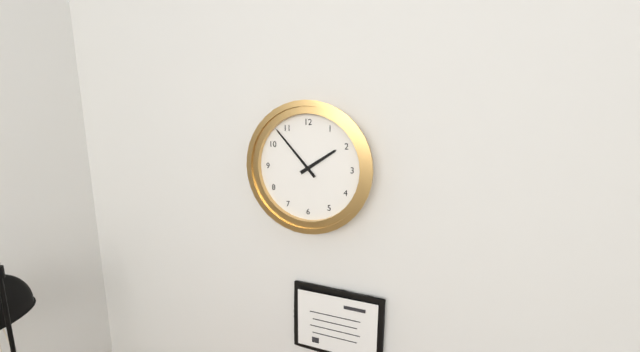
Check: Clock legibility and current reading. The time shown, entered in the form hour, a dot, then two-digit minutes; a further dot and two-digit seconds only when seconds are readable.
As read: 1.53
